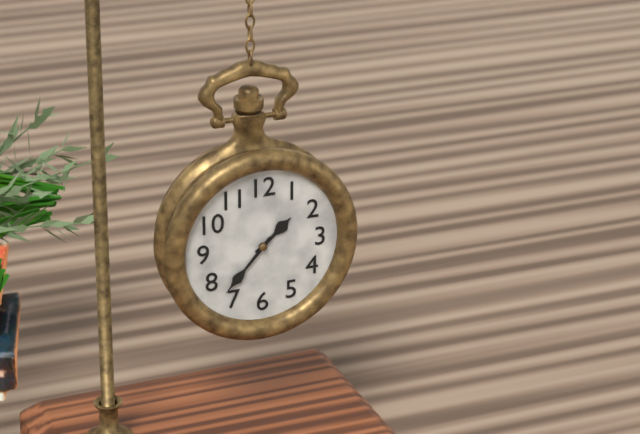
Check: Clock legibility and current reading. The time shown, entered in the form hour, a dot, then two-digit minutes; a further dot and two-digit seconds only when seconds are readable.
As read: 1.37
